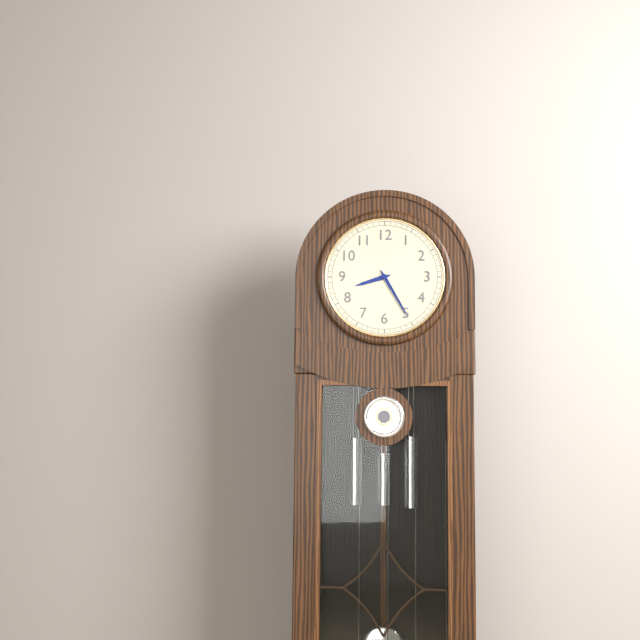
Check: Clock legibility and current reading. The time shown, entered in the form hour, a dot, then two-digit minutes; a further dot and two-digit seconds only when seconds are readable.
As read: 8.25
